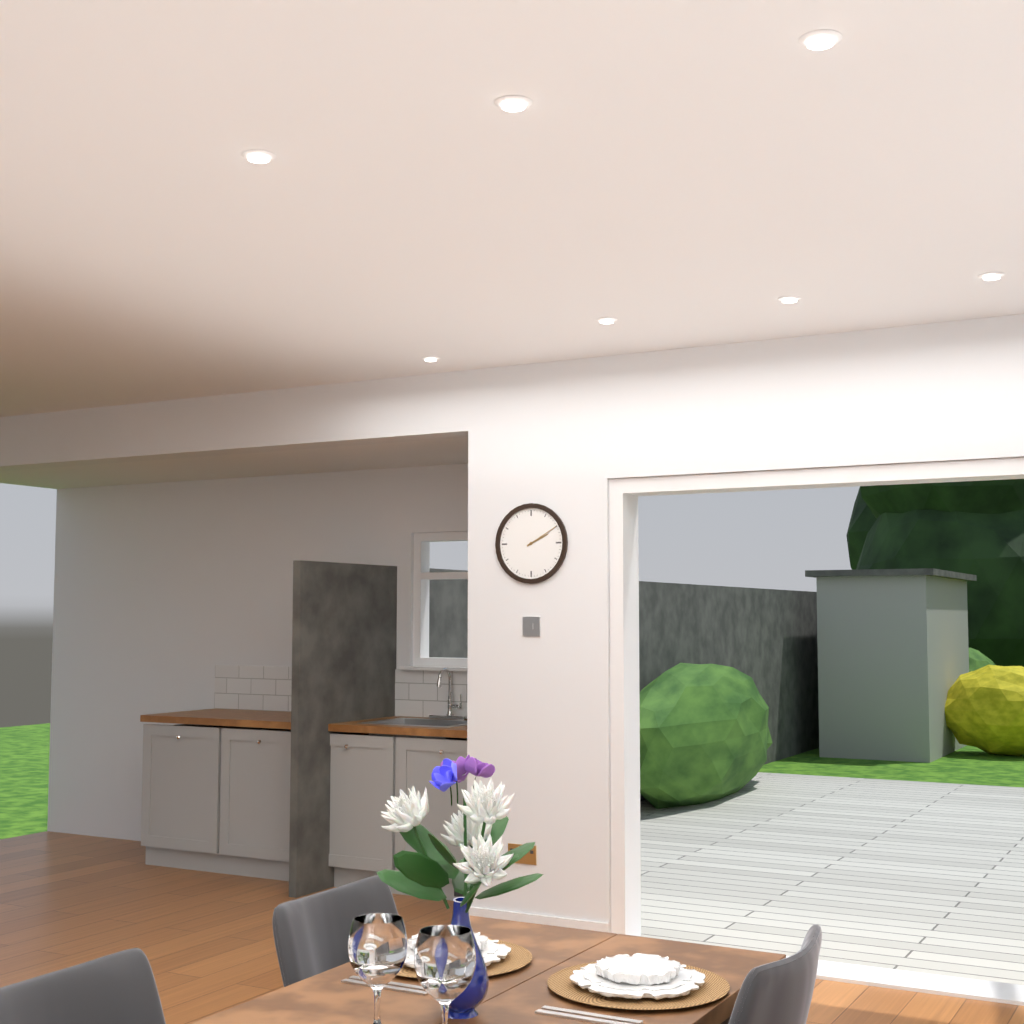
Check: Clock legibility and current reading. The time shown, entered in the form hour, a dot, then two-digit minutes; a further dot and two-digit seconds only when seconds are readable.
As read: 2.10
